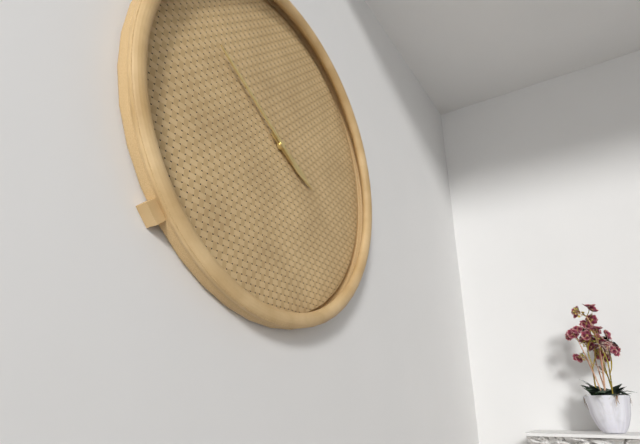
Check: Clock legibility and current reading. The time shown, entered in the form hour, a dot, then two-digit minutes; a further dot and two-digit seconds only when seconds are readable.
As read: 3.50
